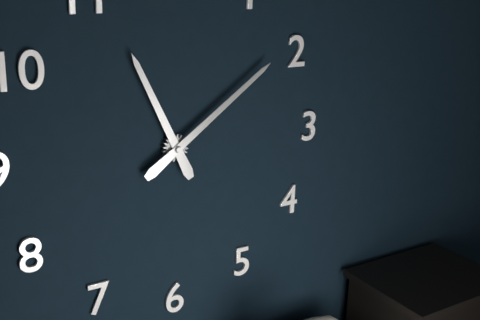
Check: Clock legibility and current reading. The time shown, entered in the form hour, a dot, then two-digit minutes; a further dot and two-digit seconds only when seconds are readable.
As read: 11.09
